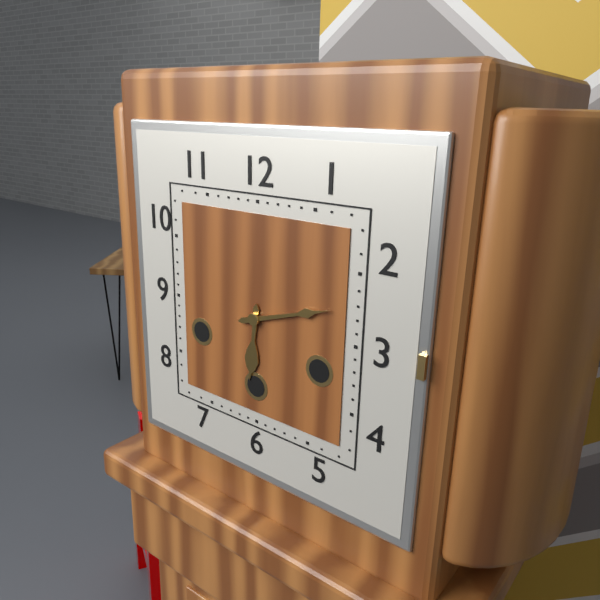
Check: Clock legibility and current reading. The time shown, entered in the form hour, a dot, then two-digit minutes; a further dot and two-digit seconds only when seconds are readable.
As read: 6.12
